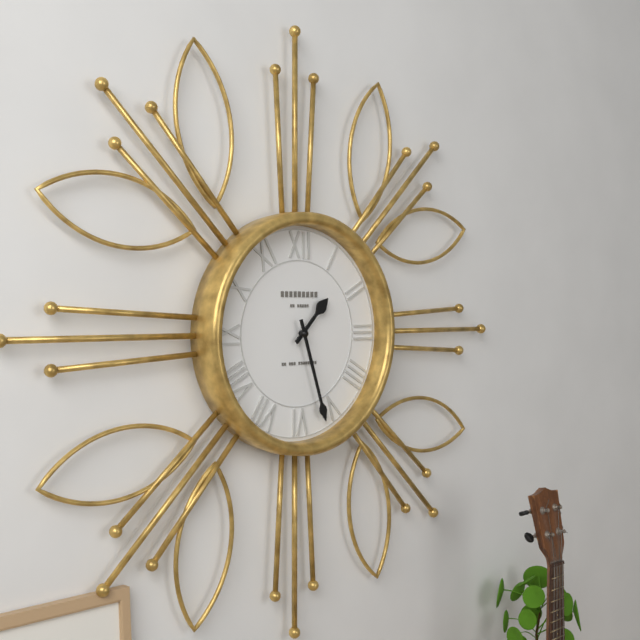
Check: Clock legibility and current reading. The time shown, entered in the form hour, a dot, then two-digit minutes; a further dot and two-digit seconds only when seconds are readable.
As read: 1.27
